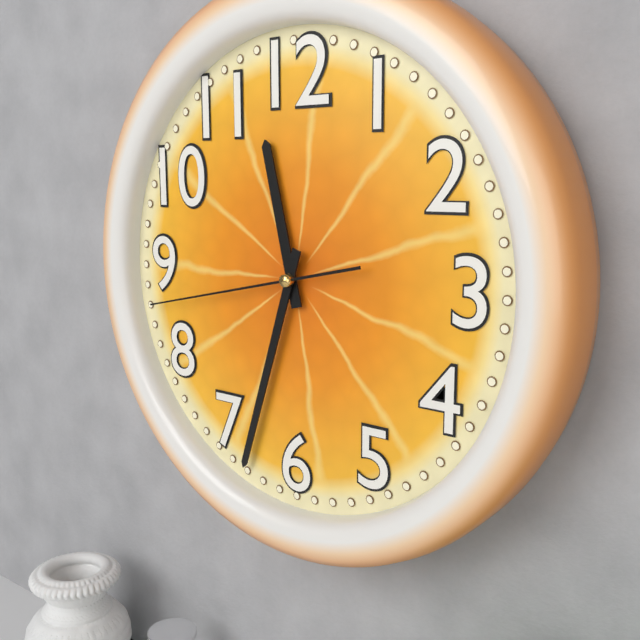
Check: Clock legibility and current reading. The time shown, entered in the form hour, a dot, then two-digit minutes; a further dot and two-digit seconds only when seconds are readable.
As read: 11.33.43
